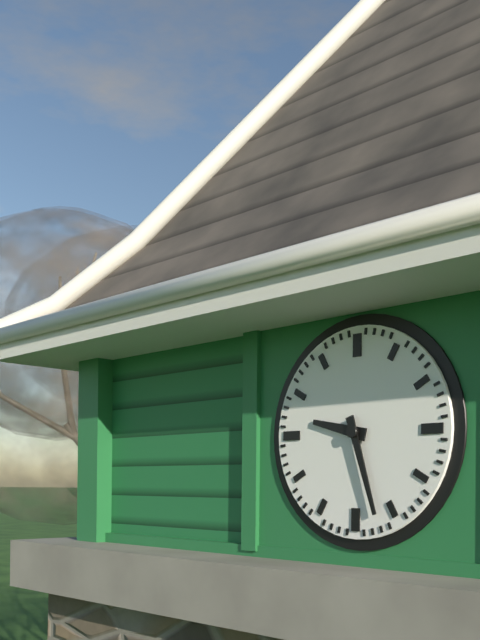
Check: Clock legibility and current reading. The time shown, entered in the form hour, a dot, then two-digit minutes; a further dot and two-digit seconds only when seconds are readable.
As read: 9.27
